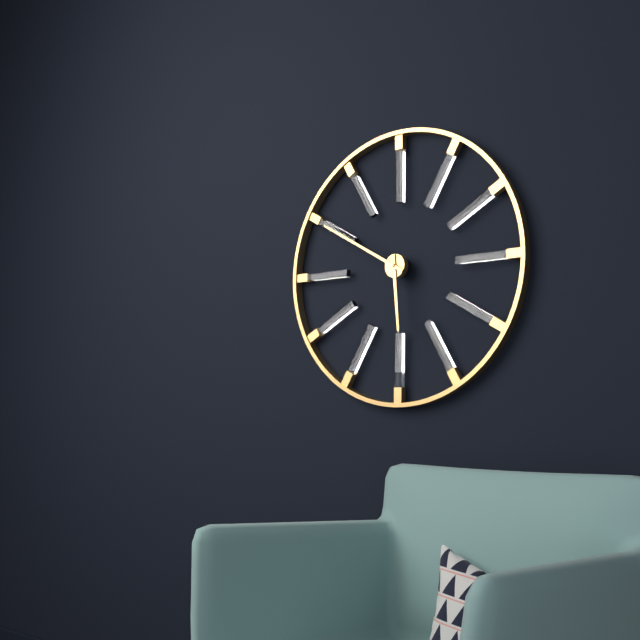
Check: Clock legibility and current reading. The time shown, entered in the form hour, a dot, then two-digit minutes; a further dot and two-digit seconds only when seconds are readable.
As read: 5.50
